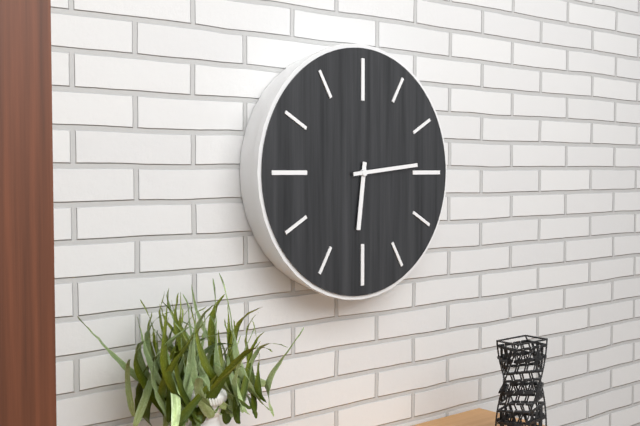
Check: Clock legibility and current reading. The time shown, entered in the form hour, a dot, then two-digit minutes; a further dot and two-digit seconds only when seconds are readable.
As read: 6.14
